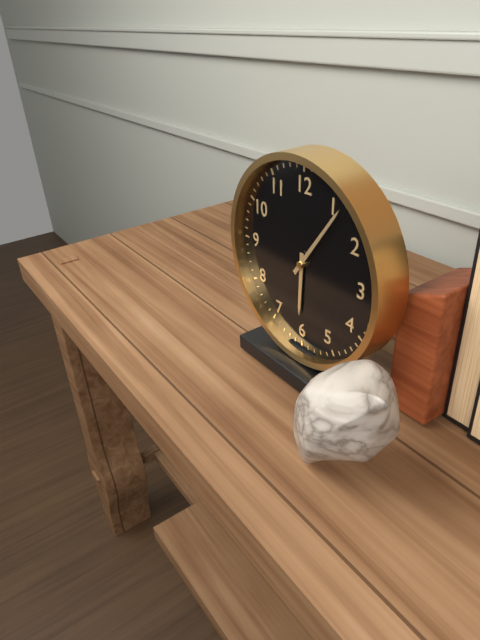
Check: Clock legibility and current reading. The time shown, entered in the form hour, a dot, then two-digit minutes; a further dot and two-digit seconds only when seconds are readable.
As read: 6.06
